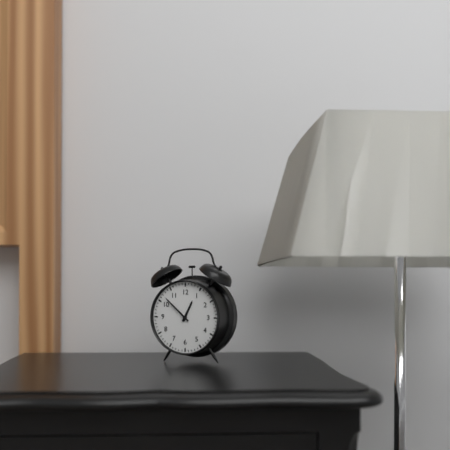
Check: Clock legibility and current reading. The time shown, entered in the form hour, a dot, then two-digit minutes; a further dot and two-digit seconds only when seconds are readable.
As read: 12.52
